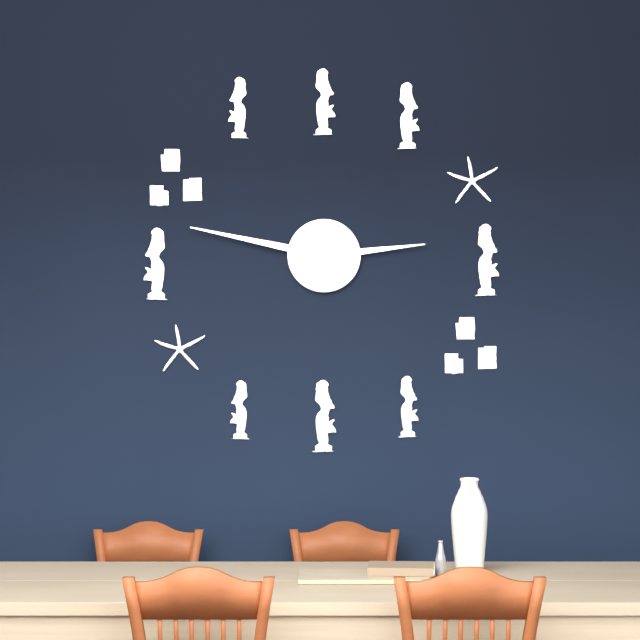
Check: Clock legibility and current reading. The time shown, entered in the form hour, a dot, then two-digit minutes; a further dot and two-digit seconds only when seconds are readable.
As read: 2.47
